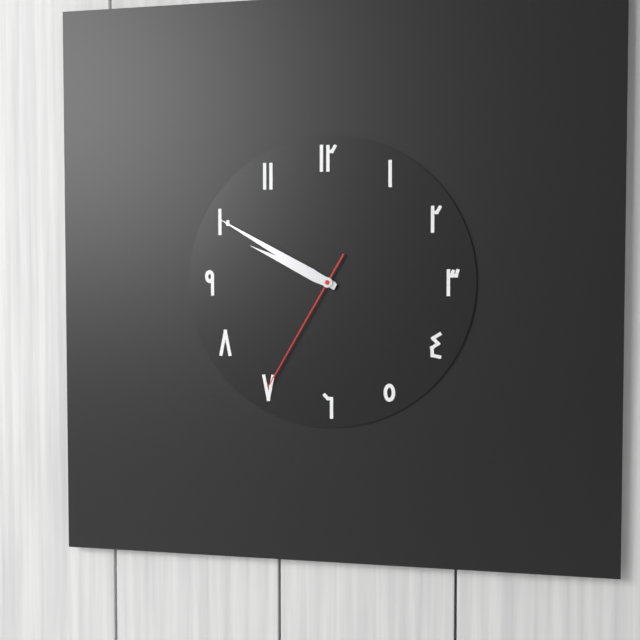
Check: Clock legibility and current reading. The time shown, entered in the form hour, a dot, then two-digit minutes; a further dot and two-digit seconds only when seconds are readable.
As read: 9.50.35
